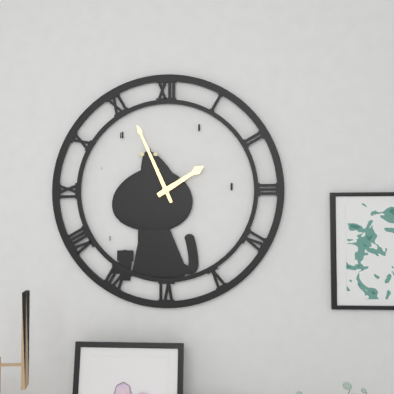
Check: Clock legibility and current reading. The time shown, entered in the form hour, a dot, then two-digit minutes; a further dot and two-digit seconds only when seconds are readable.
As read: 1.56
